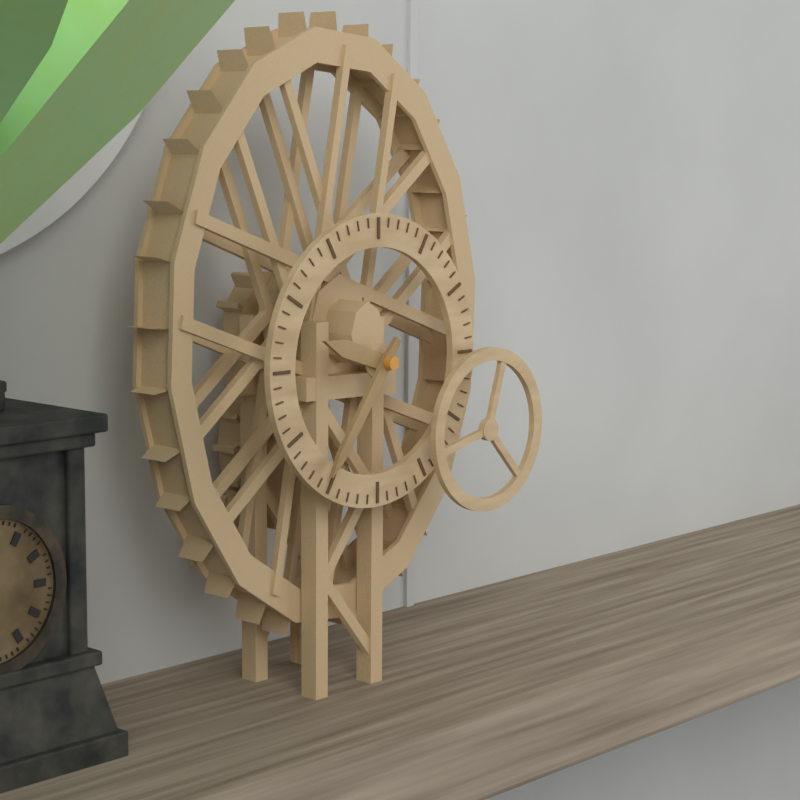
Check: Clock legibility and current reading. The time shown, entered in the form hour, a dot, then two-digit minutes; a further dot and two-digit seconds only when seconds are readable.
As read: 9.36
